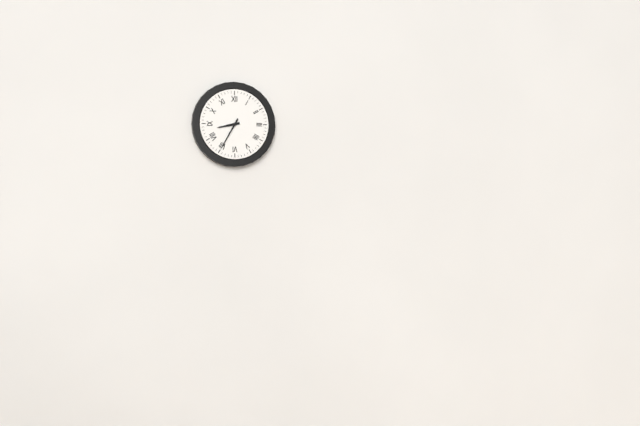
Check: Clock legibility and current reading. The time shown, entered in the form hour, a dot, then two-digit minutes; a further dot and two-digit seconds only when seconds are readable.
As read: 8.35
